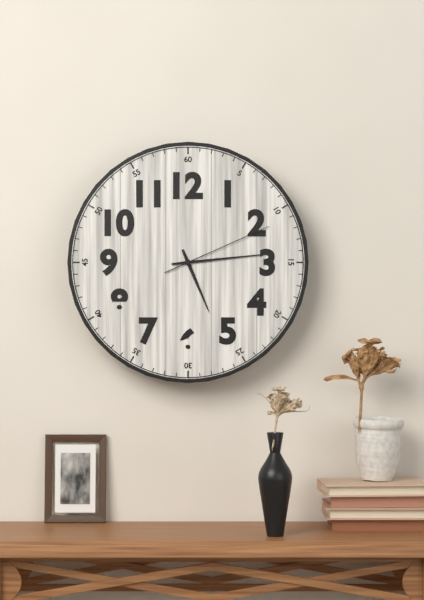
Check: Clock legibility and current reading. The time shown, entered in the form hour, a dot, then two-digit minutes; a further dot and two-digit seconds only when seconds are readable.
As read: 5.14.11
